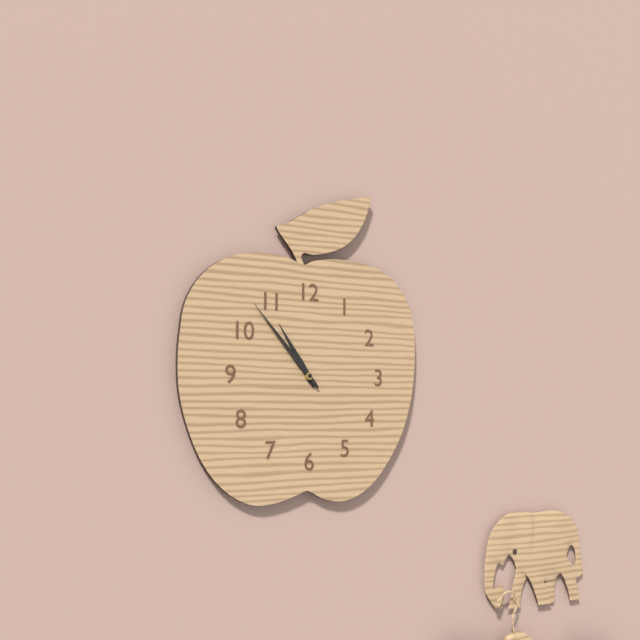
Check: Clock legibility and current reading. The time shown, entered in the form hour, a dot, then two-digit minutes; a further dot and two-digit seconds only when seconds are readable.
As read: 10.53
